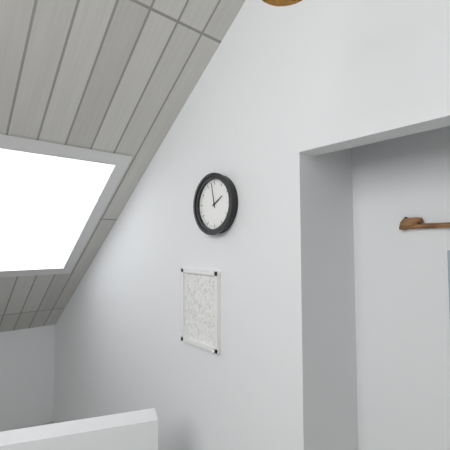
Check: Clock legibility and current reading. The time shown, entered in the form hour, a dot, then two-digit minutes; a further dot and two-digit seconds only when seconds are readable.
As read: 1.58
